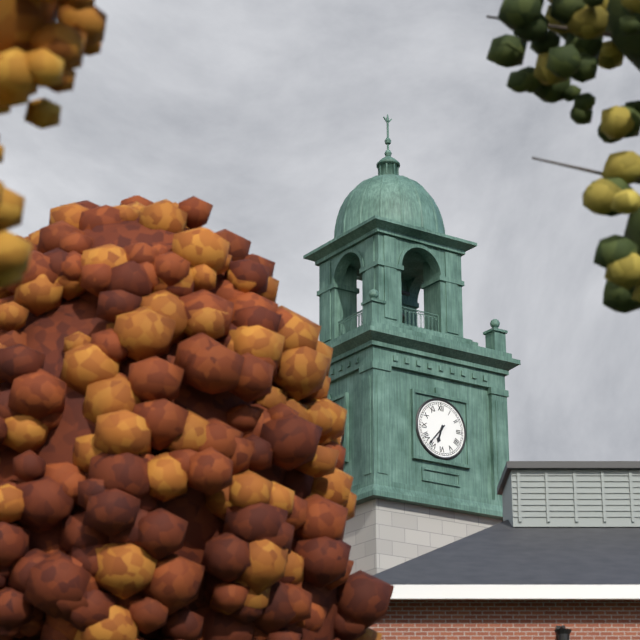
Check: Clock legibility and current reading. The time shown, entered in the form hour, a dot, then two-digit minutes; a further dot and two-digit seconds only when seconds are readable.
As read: 6.37
